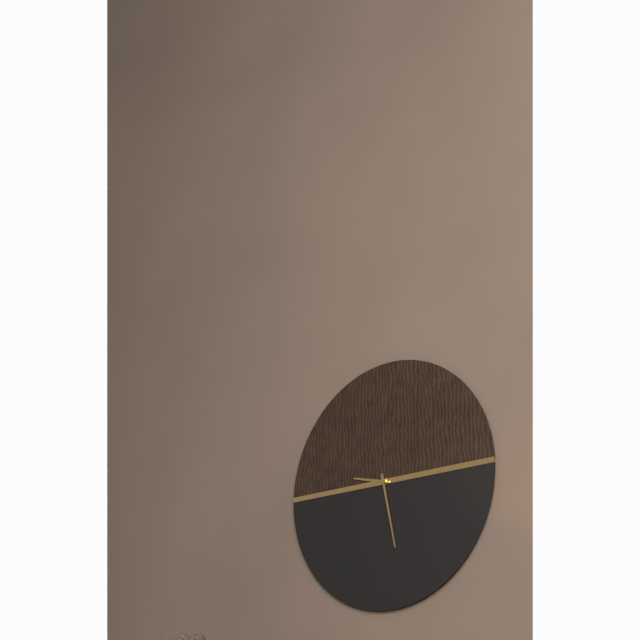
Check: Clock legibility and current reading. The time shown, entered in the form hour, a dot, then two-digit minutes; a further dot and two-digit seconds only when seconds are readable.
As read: 9.28
